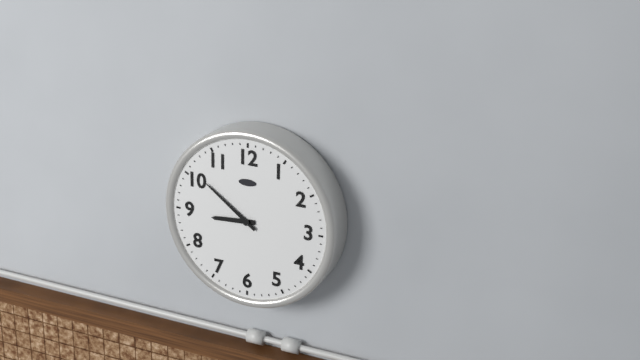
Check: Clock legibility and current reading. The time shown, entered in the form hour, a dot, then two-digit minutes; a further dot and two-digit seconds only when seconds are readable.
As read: 8.51
